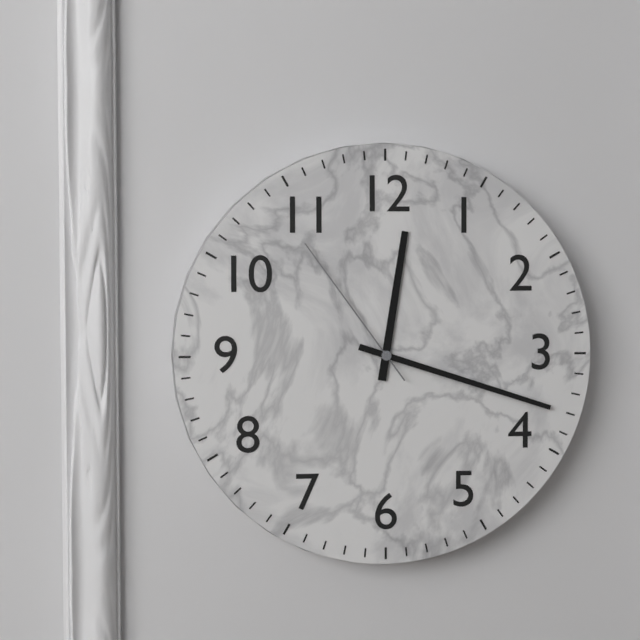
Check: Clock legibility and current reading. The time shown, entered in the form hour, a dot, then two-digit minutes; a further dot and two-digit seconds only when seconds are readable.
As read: 12.18.54
